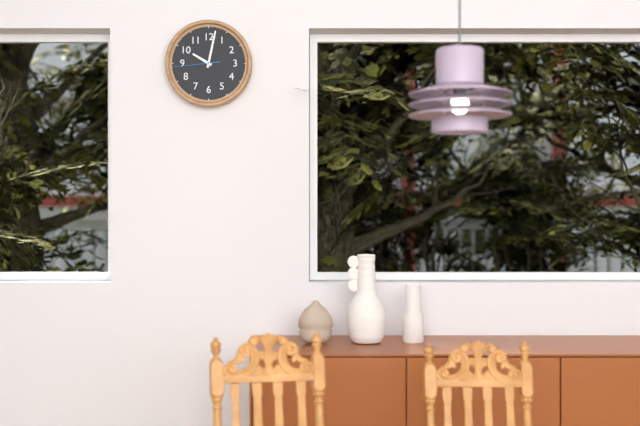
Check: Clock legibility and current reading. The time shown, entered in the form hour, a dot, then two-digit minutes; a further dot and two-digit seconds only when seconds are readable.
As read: 10.02
